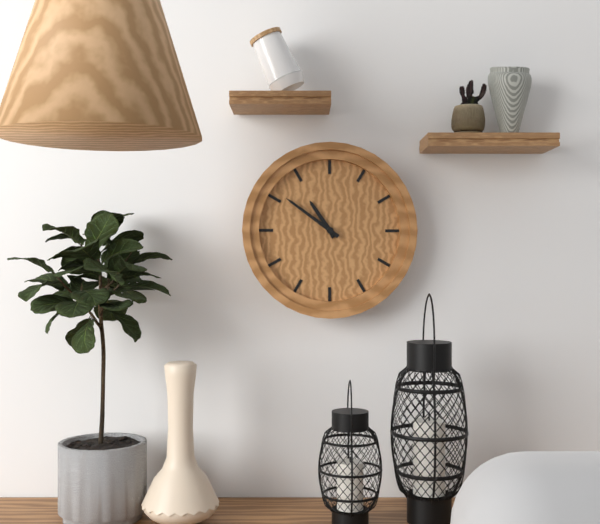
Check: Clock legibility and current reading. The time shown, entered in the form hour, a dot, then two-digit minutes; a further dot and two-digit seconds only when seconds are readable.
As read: 10.51
